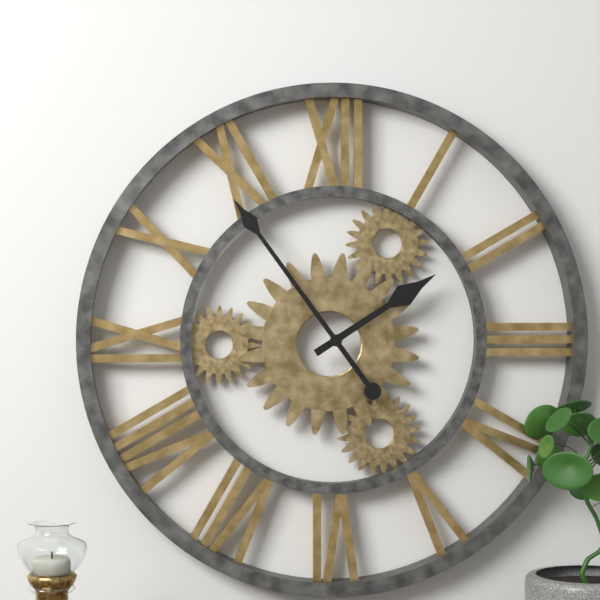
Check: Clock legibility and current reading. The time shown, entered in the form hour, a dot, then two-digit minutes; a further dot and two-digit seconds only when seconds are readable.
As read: 1.54
